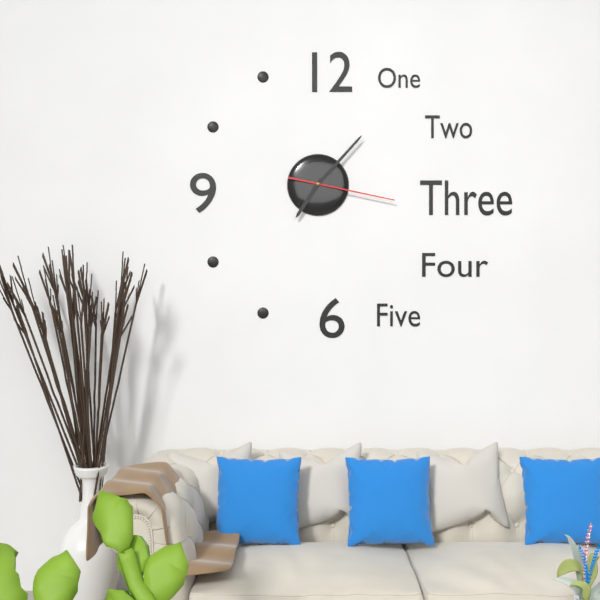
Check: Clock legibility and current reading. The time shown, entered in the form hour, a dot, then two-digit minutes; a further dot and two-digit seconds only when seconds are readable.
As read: 7.07.17
